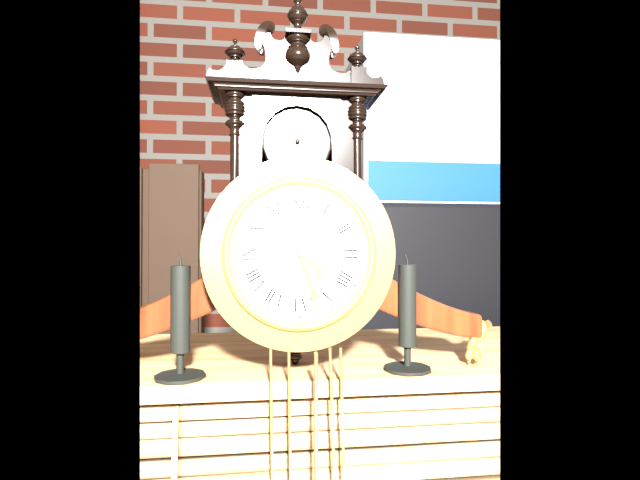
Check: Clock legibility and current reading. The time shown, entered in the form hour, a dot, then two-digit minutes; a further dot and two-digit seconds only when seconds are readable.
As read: 4.27
